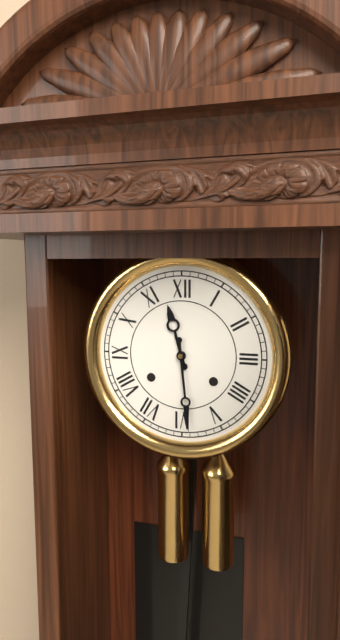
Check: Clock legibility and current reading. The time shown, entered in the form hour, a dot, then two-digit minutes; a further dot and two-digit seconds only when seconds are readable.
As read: 11.29
